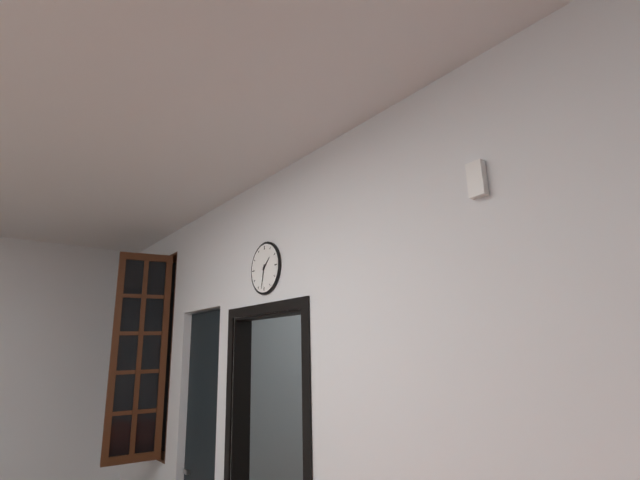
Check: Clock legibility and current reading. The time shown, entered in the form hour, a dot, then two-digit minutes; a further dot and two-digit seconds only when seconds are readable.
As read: 1.32
